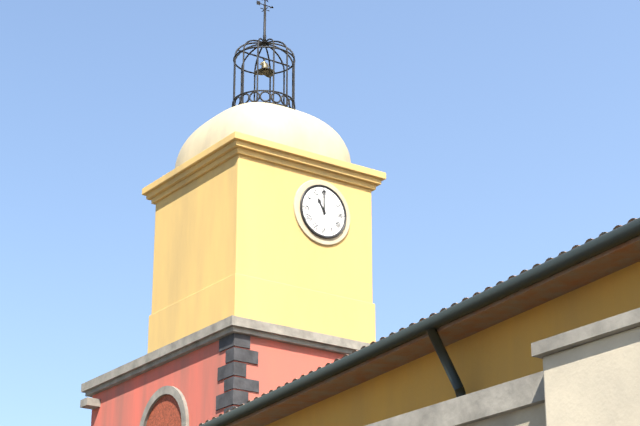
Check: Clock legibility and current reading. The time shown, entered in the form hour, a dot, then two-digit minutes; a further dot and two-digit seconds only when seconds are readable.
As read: 11.00
